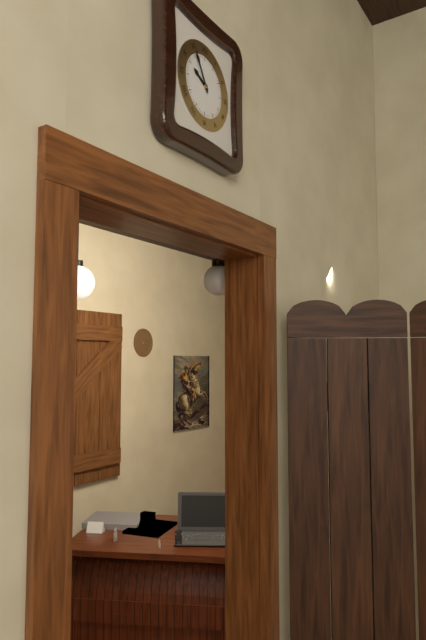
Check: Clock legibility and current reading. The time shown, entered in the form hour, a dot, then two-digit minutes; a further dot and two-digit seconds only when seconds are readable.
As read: 9.55
